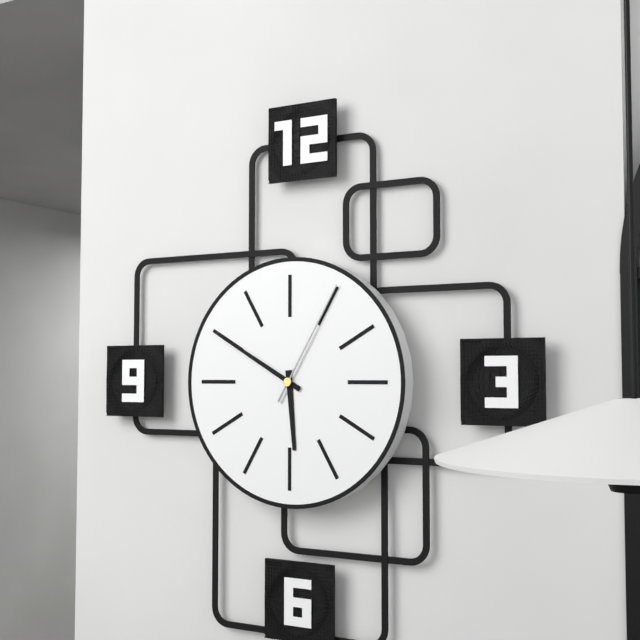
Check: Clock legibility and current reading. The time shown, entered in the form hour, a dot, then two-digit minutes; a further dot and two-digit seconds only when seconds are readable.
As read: 5.50.05
